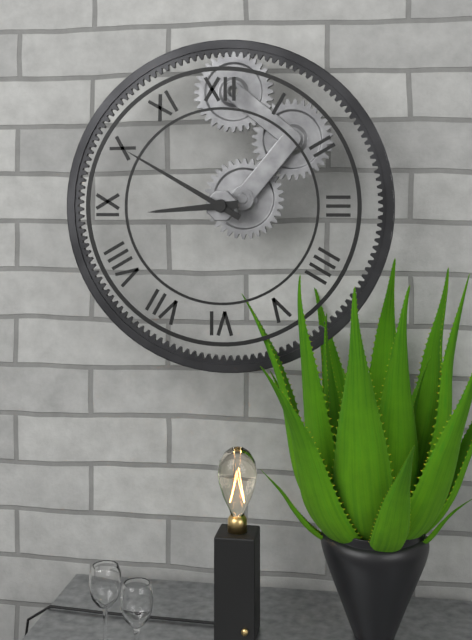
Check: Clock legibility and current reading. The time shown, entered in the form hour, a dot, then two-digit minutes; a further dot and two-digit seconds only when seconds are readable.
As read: 8.50
